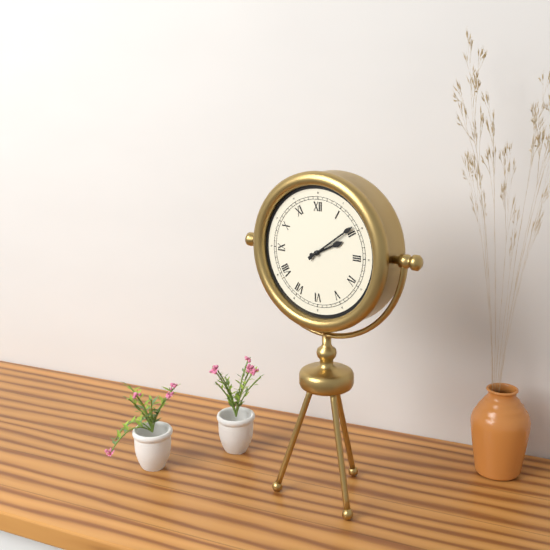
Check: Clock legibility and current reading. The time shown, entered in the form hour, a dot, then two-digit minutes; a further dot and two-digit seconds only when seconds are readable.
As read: 2.09
